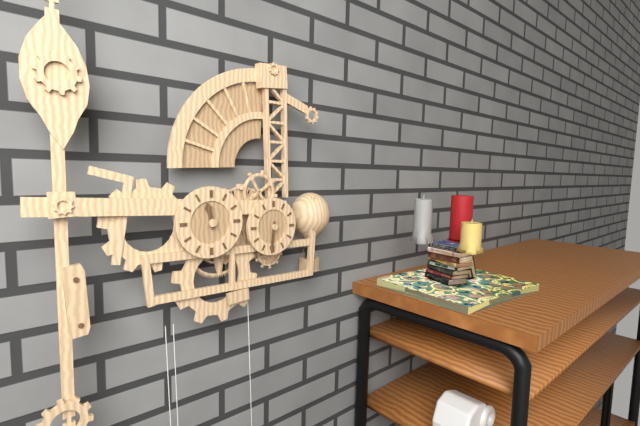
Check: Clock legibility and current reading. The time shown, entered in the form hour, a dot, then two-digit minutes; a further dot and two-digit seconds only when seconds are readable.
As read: 11.31
